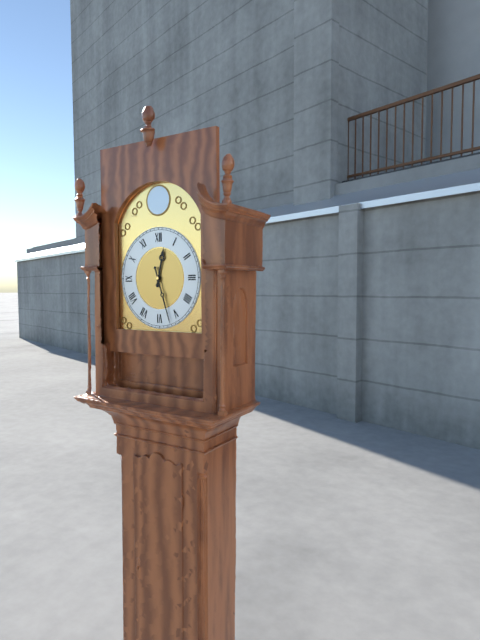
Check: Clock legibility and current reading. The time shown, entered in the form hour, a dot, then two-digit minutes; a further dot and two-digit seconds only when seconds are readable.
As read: 12.27
